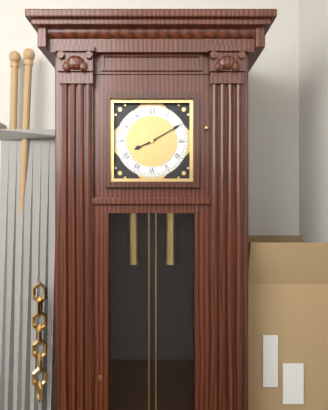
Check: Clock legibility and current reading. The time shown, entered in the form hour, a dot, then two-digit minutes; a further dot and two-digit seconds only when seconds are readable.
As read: 8.10
